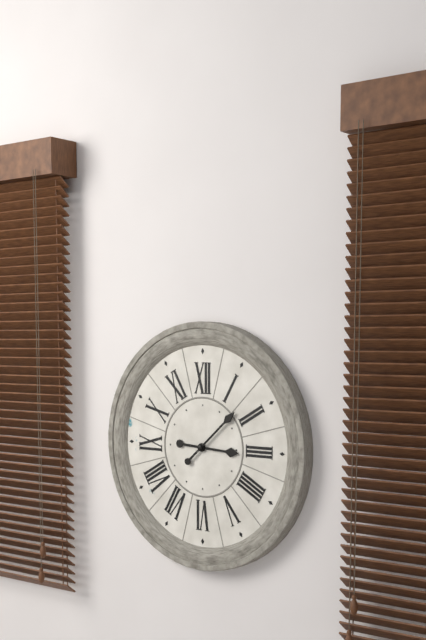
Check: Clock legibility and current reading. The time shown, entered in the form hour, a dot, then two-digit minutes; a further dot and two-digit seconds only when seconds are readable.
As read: 3.08
